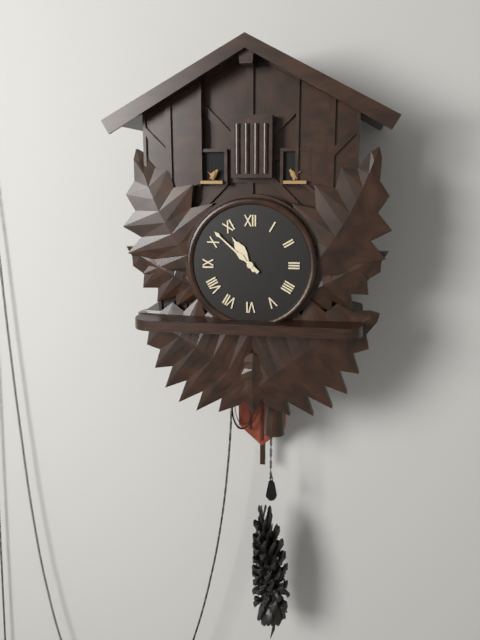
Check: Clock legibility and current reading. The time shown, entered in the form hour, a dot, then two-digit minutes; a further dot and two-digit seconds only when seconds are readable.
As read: 10.52
